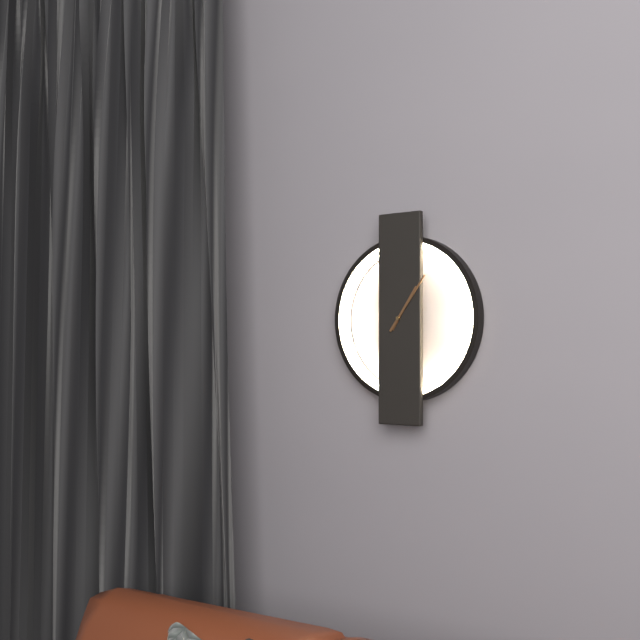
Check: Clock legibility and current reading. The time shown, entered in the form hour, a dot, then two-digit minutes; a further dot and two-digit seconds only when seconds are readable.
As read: 1.06
